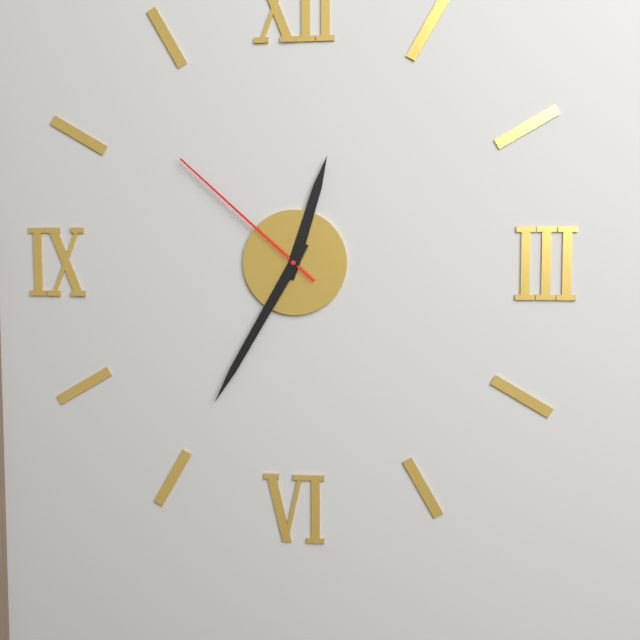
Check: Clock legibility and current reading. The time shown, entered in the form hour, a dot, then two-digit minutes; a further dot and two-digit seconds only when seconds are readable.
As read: 12.35.52
